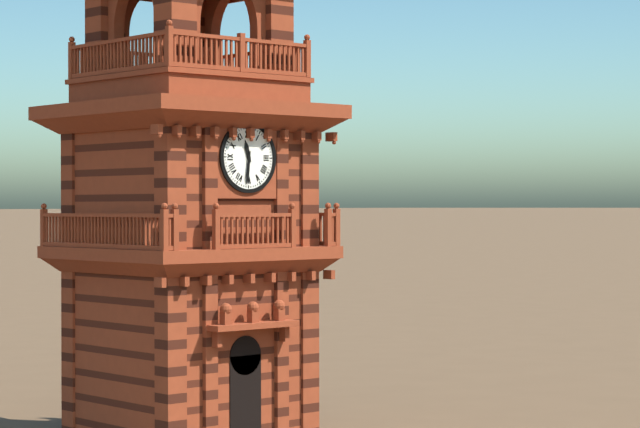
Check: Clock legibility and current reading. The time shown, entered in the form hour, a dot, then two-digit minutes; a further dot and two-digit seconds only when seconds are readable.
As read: 11.31
